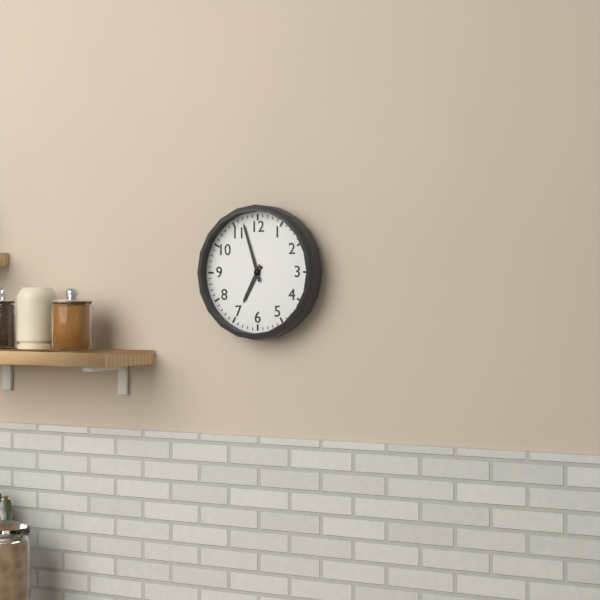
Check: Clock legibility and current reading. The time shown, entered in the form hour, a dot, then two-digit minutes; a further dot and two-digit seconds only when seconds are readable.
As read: 6.57
